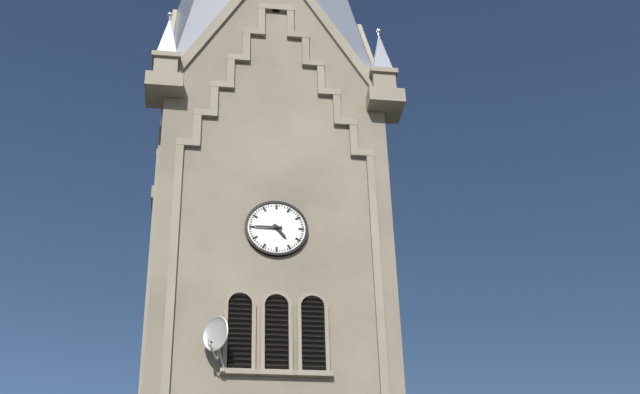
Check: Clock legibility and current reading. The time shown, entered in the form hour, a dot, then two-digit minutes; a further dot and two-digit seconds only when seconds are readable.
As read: 4.45
